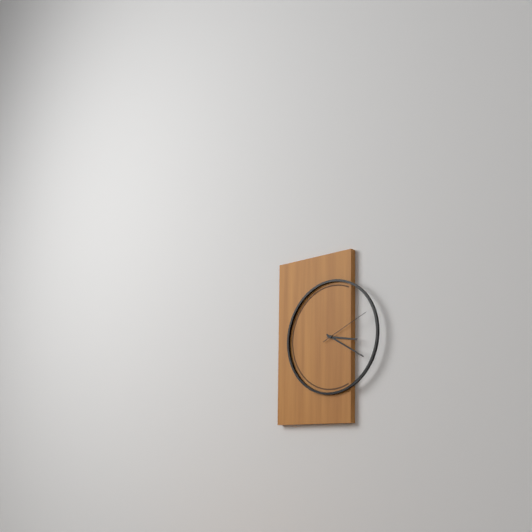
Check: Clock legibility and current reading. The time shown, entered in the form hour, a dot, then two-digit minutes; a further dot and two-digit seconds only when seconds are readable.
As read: 3.20.11
